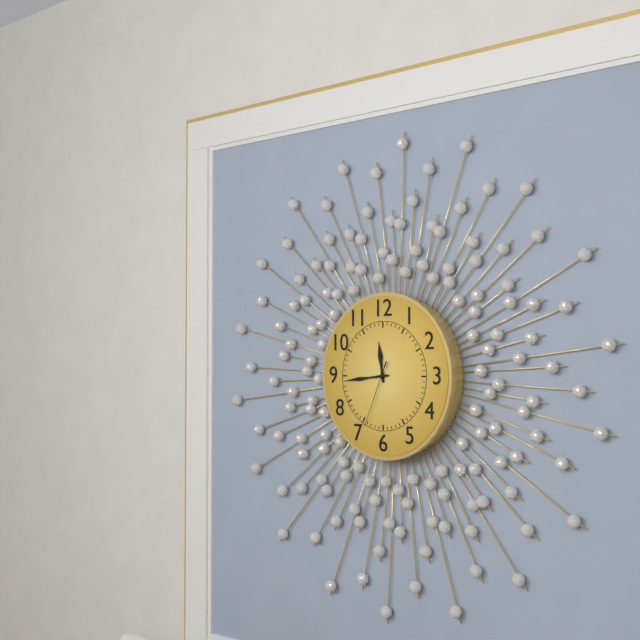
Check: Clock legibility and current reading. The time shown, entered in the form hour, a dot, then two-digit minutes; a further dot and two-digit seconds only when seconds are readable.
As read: 11.44.34
